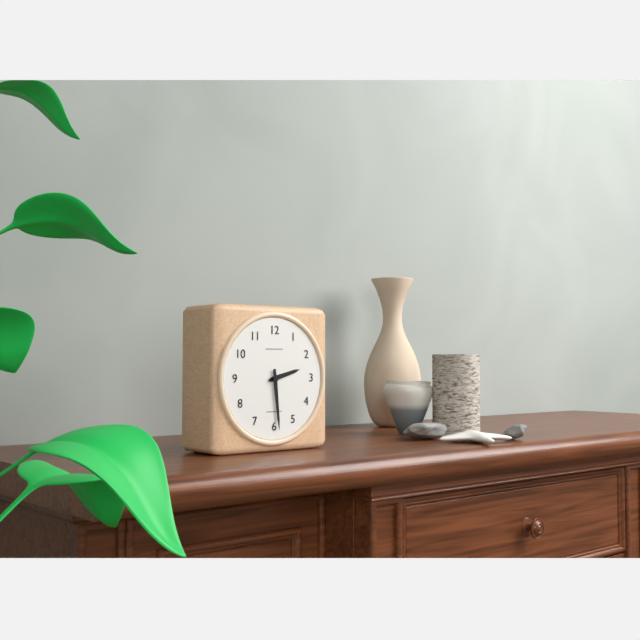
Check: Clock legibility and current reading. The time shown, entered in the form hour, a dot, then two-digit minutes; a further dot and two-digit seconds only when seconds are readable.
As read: 2.29
